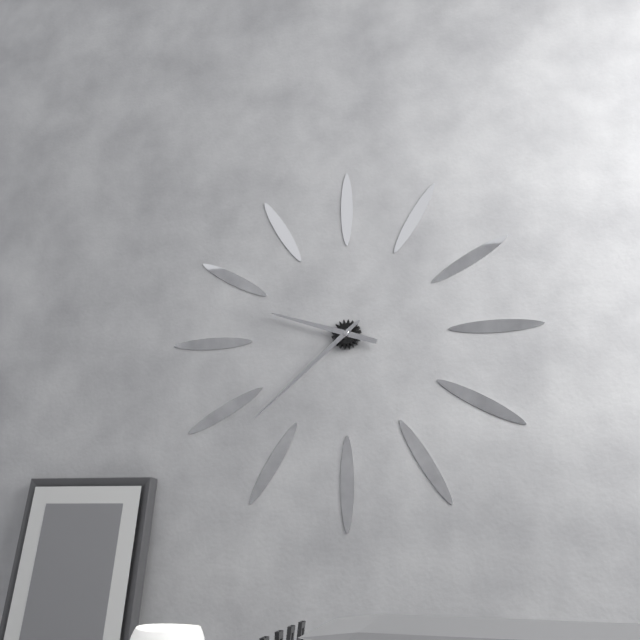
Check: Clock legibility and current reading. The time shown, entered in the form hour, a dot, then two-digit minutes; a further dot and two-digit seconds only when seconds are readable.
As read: 9.38
